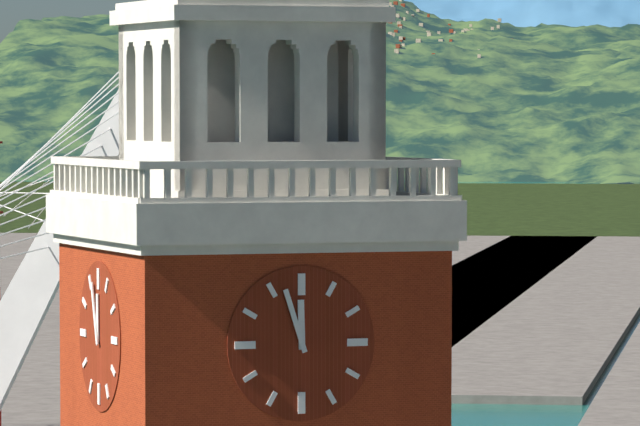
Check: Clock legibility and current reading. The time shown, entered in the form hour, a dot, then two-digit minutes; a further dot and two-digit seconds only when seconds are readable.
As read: 11.57
